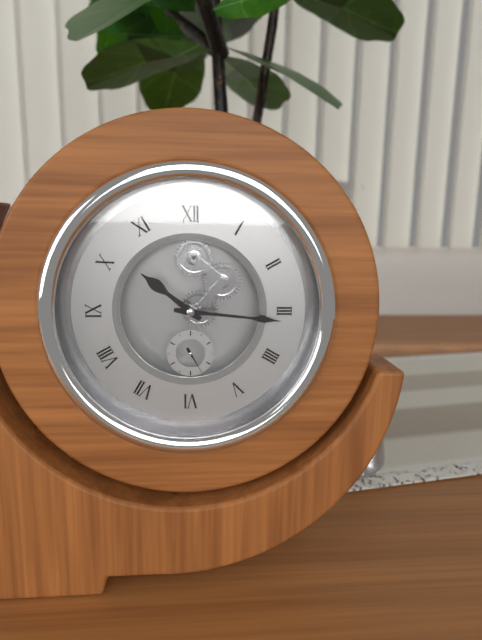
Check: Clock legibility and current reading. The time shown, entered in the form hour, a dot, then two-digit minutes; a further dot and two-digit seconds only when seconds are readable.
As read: 10.16
